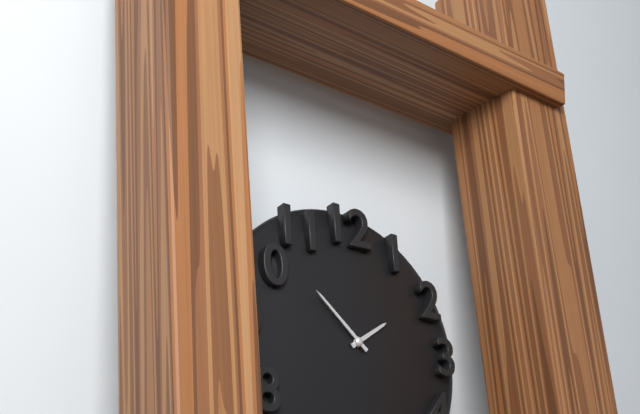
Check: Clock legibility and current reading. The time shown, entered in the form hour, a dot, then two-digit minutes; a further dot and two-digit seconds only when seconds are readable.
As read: 1.52
